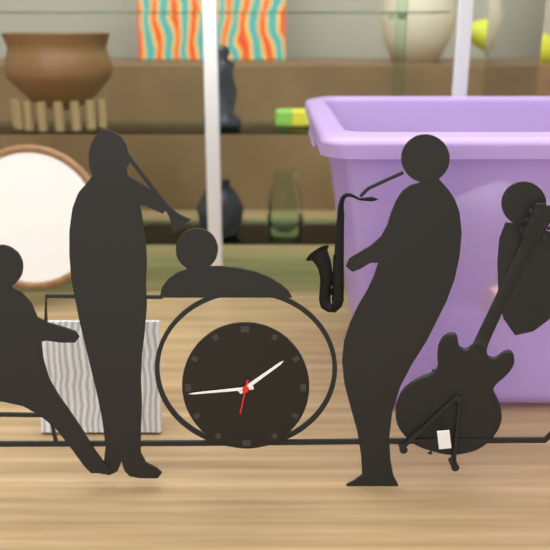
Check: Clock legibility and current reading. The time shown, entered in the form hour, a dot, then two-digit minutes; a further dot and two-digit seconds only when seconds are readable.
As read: 1.44
